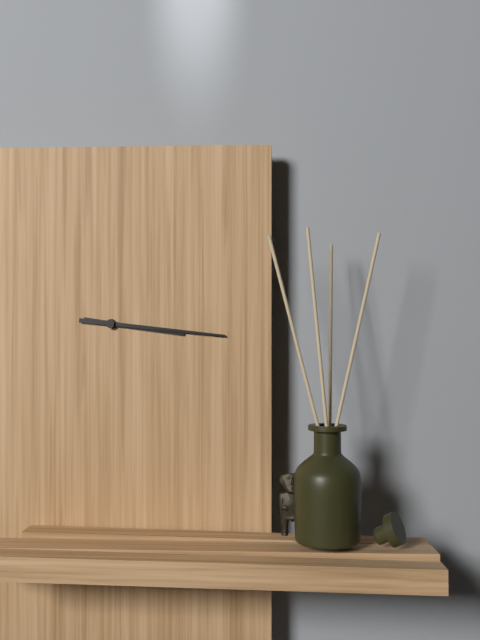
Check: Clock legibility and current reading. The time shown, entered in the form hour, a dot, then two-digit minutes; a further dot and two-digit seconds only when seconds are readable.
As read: 3.16
